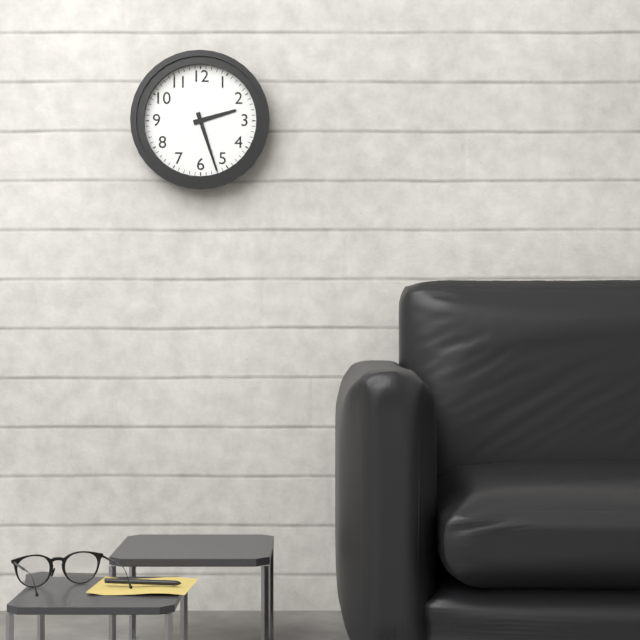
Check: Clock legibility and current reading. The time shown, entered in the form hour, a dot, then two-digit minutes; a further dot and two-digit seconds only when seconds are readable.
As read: 2.27
